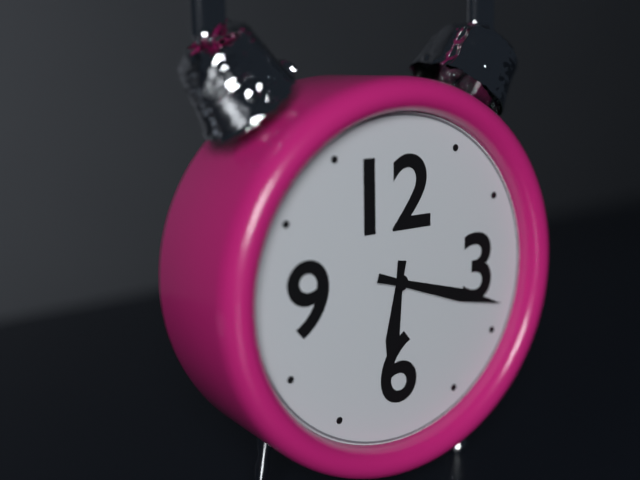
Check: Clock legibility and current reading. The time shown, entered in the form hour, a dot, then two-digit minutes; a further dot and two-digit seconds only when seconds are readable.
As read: 6.18
